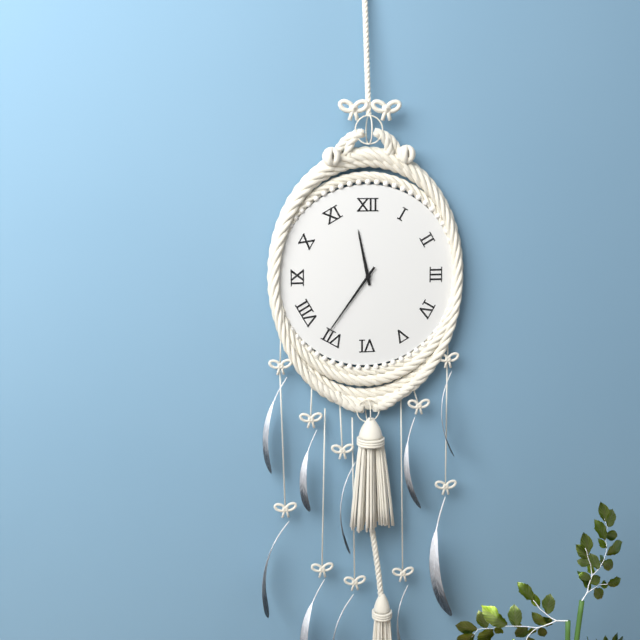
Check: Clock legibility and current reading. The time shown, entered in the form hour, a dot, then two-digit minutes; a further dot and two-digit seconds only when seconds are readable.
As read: 11.36
